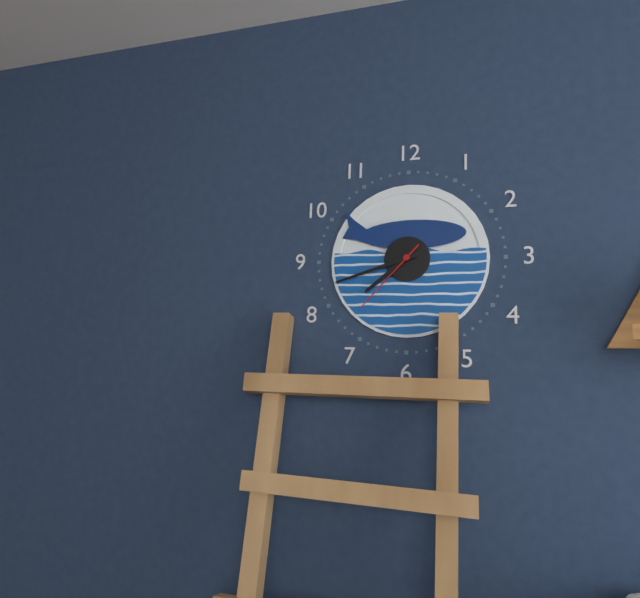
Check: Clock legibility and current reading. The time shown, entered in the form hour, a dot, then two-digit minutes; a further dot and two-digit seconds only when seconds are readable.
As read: 7.42.37
